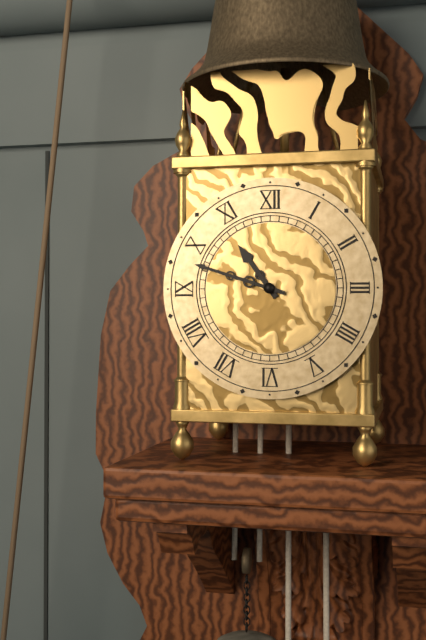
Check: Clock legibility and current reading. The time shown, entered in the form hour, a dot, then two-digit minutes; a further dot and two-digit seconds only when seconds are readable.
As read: 10.48
